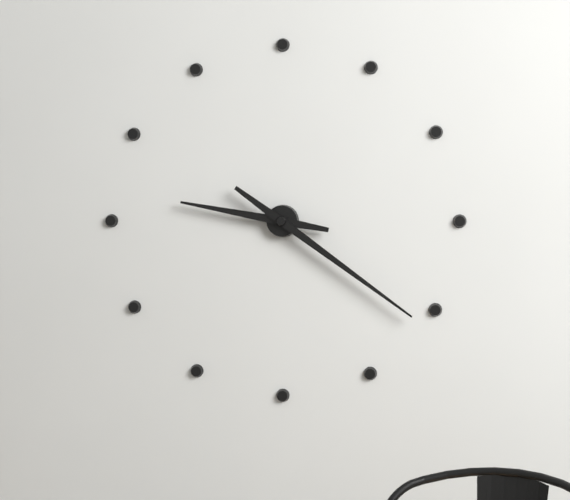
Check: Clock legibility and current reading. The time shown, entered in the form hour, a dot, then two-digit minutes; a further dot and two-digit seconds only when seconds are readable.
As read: 9.21
